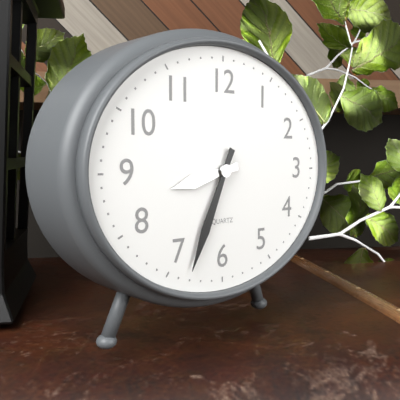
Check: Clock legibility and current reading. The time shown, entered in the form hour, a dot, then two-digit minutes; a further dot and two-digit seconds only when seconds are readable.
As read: 8.34
